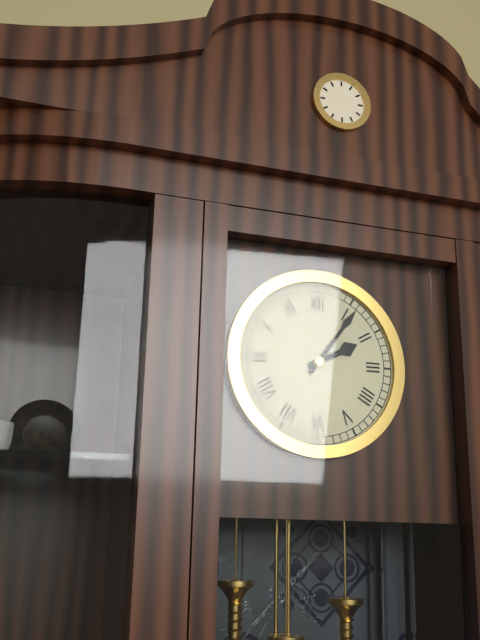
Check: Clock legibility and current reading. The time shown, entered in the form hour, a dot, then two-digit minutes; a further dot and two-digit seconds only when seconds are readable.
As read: 2.06
